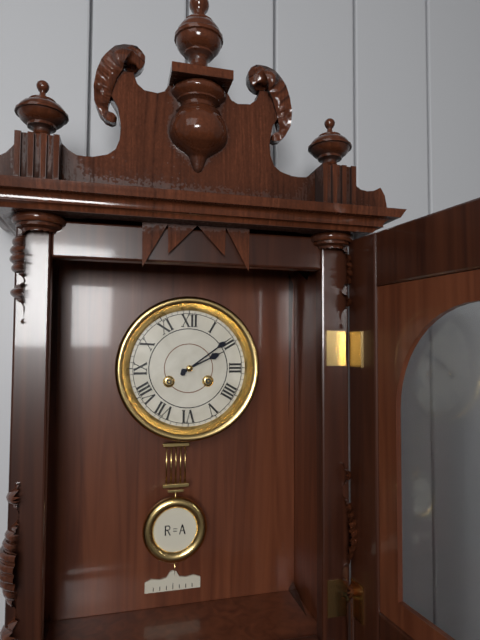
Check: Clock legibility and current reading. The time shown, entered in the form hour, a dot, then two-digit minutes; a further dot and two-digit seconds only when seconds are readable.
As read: 2.09
